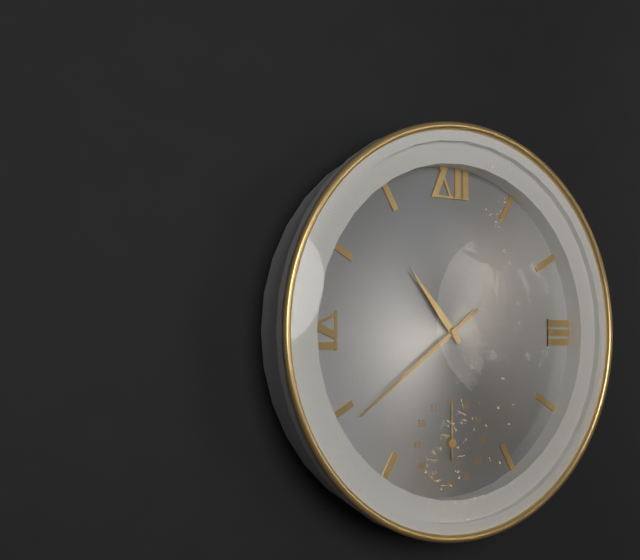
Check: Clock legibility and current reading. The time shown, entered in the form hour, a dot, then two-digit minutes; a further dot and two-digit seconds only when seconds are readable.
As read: 10.39.00
